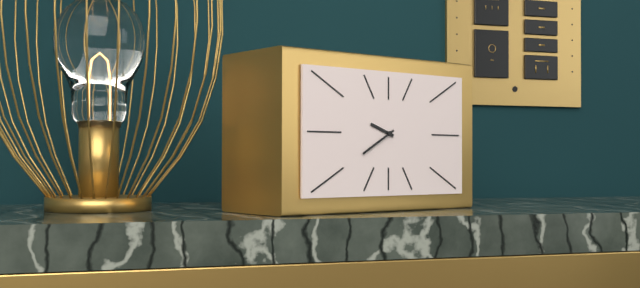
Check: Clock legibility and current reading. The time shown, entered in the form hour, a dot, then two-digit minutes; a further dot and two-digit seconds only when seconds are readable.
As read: 9.40
